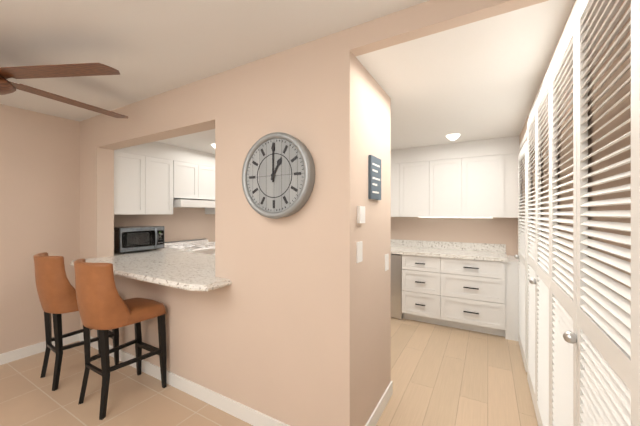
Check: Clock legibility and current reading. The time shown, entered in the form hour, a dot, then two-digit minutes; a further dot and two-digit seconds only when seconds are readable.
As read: 1.00
